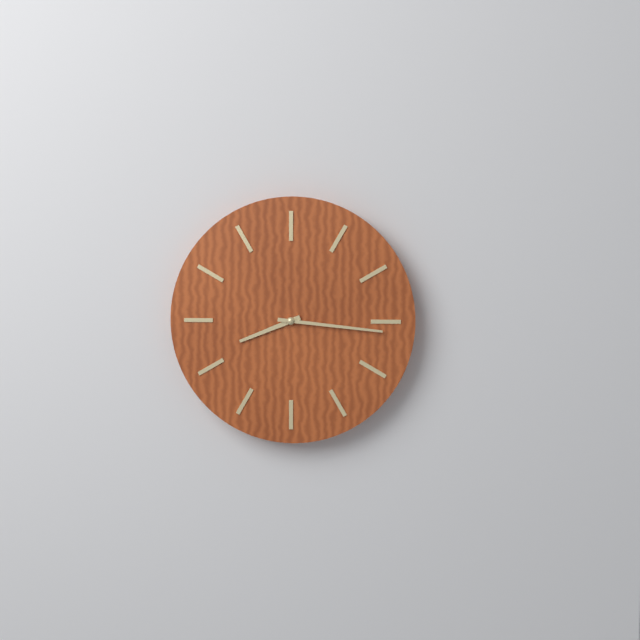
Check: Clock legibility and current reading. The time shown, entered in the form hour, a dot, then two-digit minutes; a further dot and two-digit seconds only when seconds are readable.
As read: 8.16
